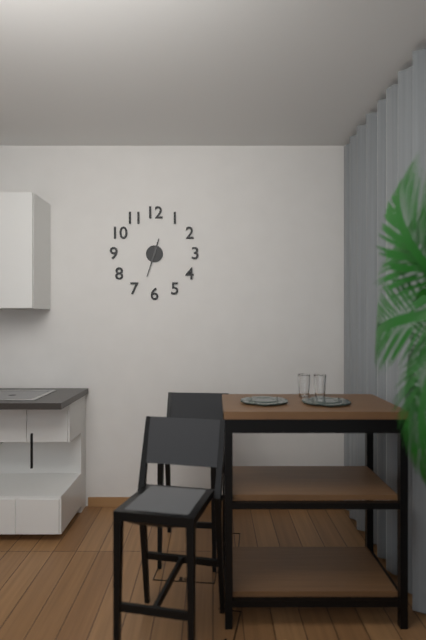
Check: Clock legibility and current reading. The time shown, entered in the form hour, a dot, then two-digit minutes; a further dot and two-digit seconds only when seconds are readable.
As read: 12.33
